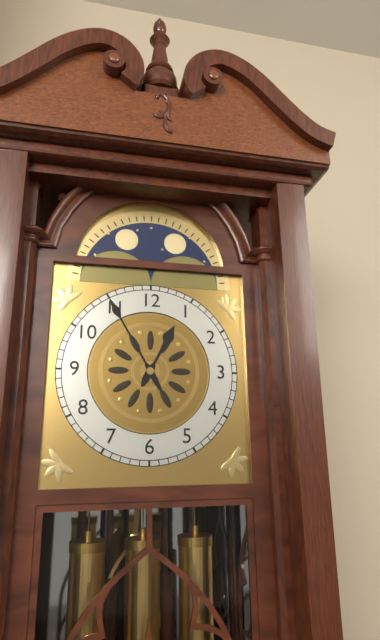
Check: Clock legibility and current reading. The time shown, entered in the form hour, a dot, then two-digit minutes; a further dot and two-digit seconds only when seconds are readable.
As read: 12.55
